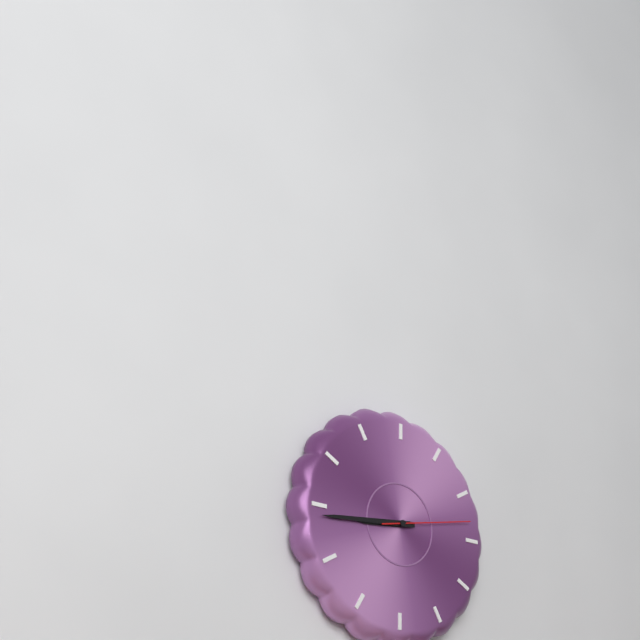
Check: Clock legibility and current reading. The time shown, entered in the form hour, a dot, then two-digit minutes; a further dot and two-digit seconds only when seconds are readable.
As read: 8.44.13
